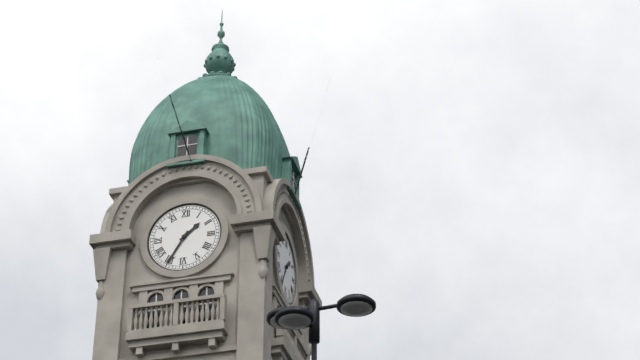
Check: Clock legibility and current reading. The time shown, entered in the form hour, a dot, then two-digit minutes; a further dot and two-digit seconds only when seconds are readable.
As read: 1.35
